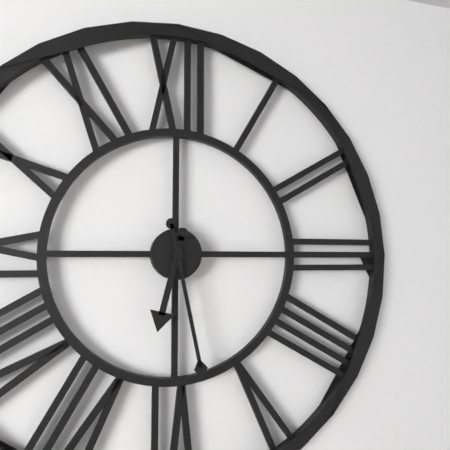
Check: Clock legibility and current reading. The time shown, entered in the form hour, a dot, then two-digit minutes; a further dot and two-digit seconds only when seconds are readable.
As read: 6.28
